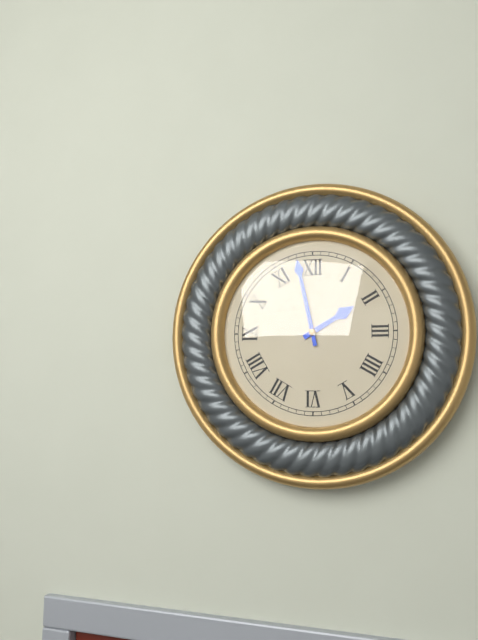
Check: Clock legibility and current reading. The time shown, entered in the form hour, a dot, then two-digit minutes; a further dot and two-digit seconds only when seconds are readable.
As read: 1.58
